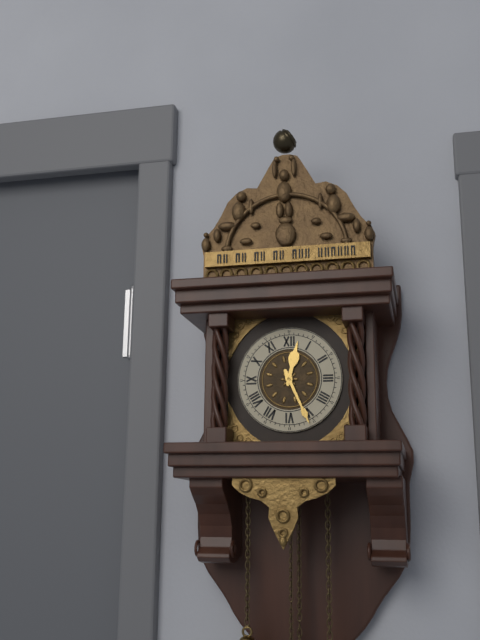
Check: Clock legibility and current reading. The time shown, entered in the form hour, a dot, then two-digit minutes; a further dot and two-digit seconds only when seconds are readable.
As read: 12.26
